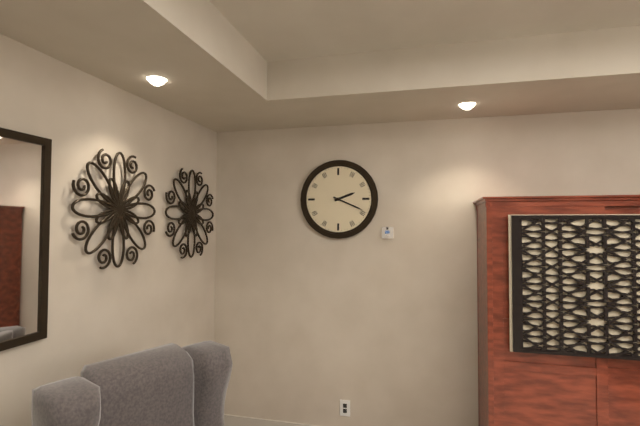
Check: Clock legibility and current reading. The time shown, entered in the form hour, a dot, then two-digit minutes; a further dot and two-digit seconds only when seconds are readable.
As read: 2.19
